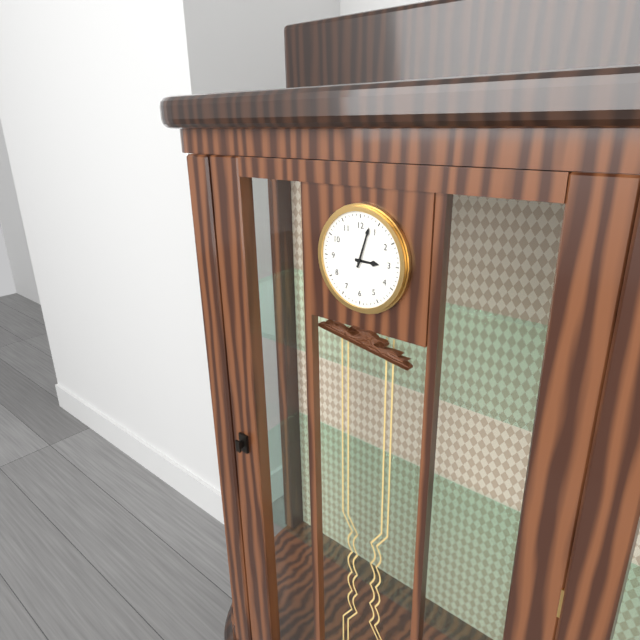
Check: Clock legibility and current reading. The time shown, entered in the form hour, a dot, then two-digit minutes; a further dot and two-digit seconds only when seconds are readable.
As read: 3.03
